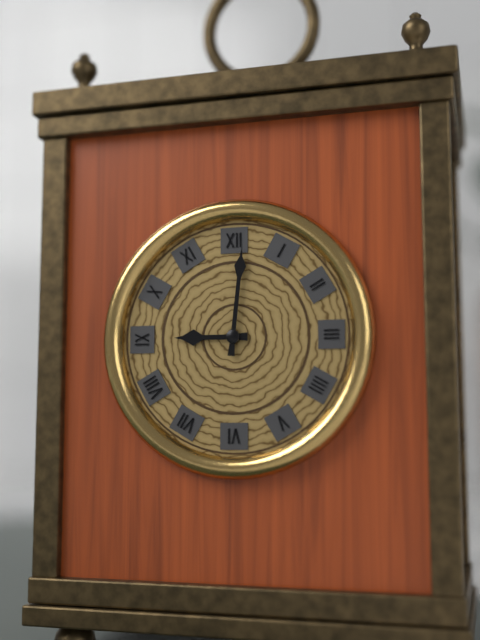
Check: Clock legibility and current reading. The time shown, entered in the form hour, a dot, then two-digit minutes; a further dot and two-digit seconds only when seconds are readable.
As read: 9.01
